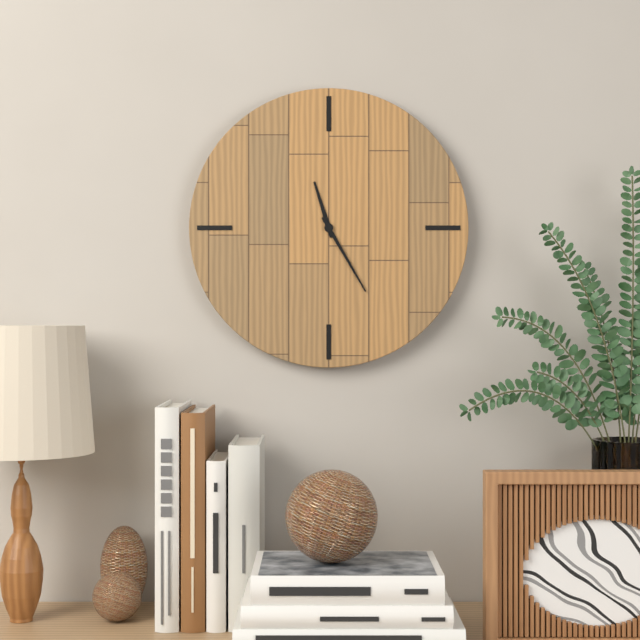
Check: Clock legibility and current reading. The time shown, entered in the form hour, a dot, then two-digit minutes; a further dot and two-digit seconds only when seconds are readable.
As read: 11.25
